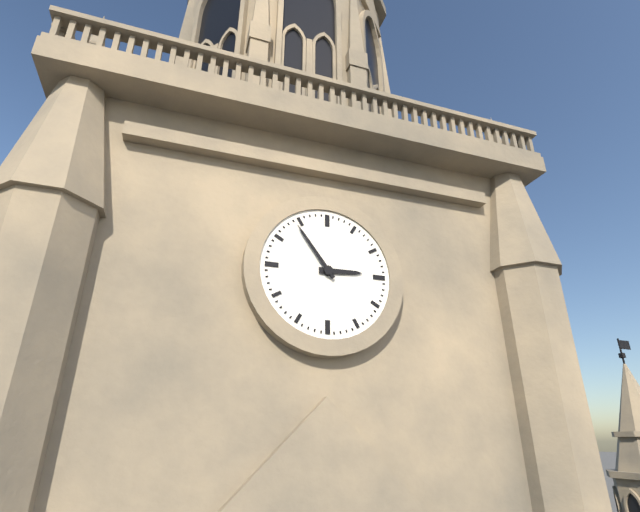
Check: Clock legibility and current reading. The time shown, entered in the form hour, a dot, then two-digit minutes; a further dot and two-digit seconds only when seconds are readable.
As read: 2.54
